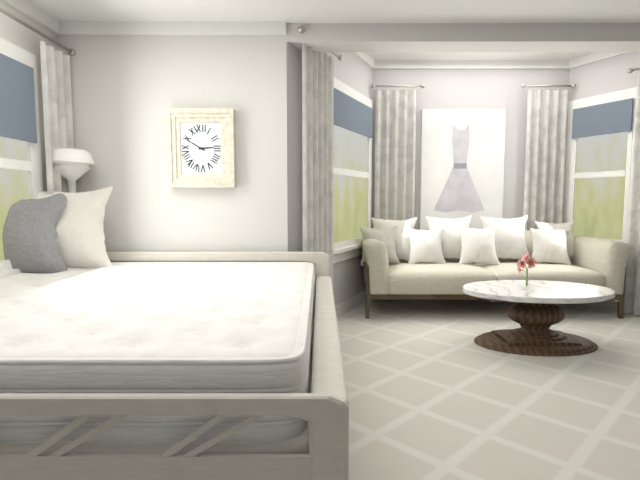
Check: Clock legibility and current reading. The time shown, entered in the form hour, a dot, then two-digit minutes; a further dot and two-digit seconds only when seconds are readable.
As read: 2.50
